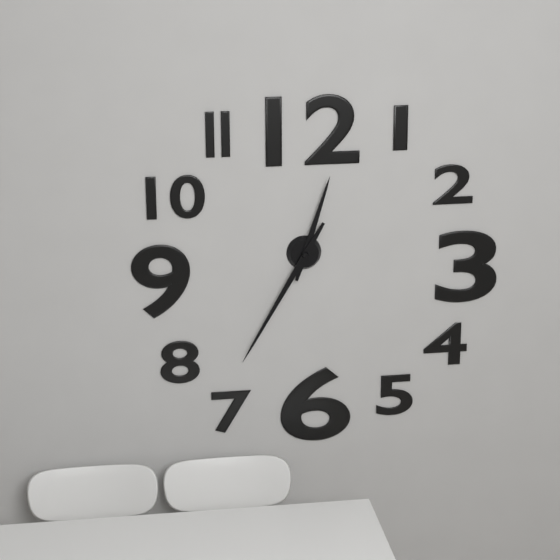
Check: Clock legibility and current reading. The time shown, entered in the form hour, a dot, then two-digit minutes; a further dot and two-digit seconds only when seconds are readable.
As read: 12.35
